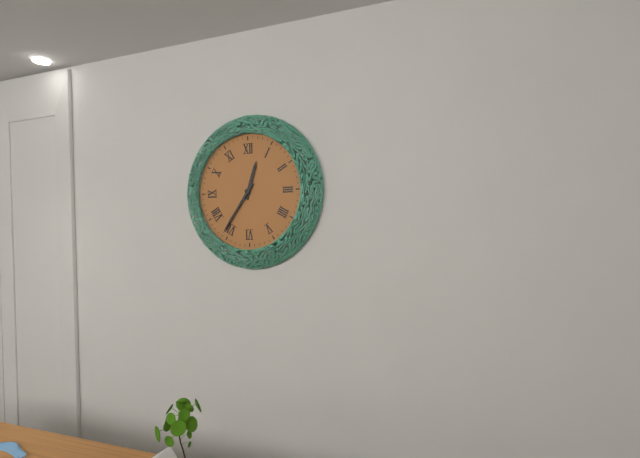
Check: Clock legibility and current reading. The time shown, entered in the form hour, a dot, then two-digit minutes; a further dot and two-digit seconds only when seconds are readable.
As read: 12.36
